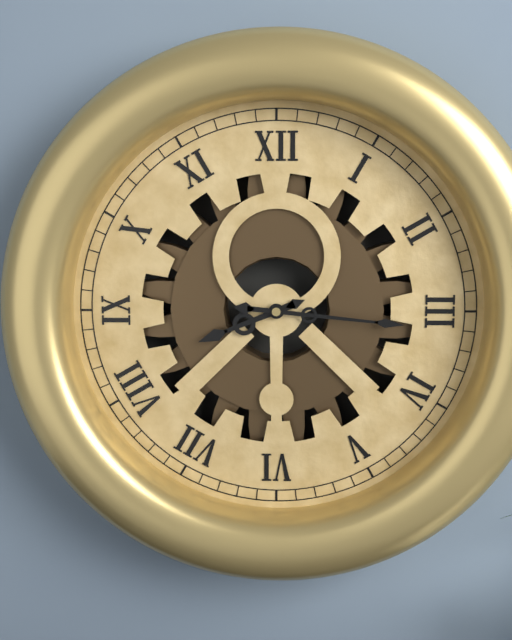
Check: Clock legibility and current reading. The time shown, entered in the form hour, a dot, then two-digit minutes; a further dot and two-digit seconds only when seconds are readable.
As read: 8.16
